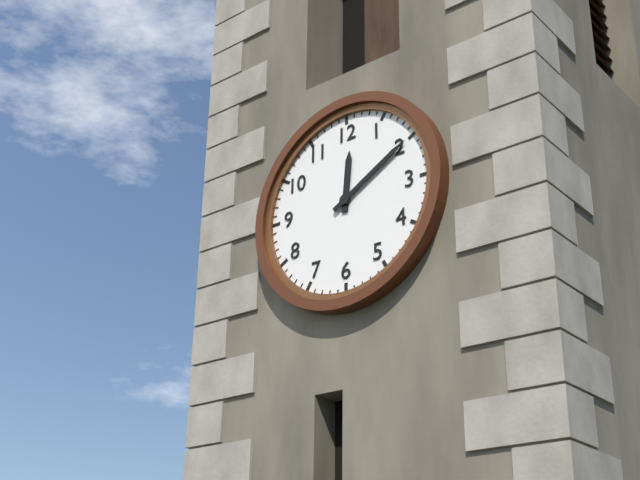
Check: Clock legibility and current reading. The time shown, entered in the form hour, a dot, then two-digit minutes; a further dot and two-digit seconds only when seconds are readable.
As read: 12.10
